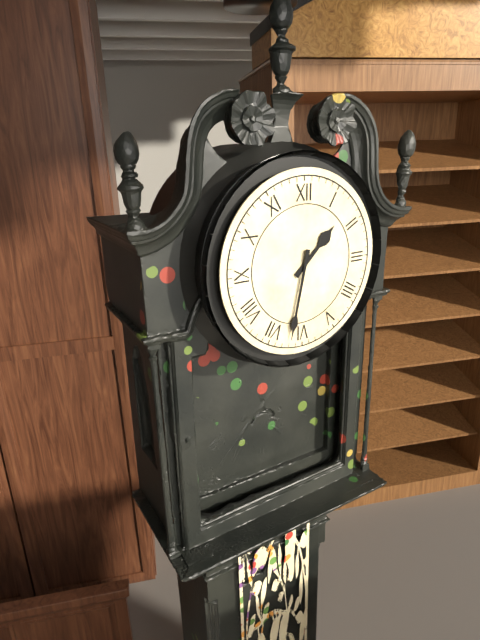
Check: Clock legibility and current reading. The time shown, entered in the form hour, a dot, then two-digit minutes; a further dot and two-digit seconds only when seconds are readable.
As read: 1.32
